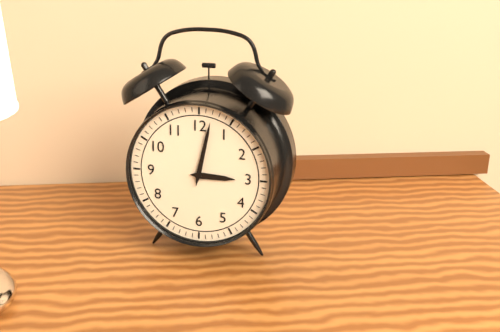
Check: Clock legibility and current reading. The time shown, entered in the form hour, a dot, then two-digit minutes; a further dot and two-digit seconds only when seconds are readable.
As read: 3.02
